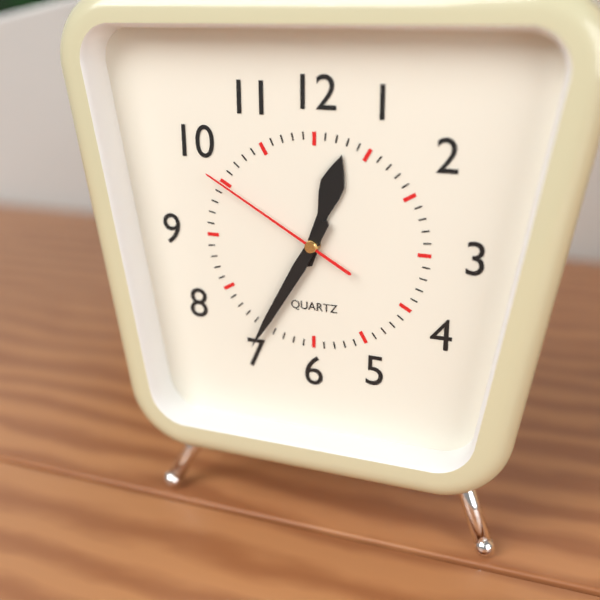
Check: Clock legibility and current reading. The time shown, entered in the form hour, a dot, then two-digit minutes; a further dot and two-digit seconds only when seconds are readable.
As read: 12.35.50
